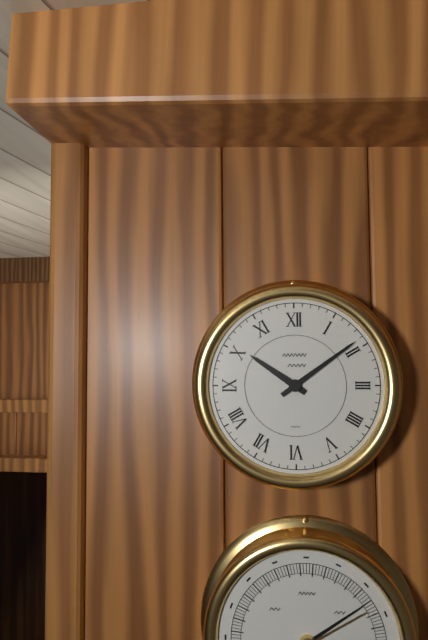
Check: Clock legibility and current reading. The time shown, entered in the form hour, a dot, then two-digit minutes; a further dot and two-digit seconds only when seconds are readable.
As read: 10.09
